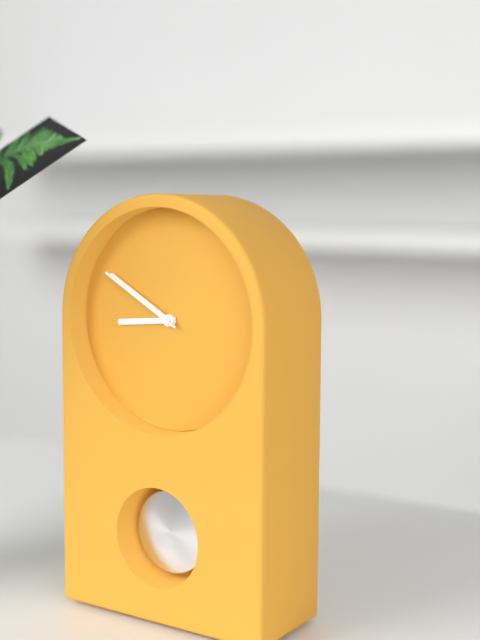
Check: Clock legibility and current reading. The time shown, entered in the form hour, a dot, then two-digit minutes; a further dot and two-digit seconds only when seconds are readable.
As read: 8.50.50
